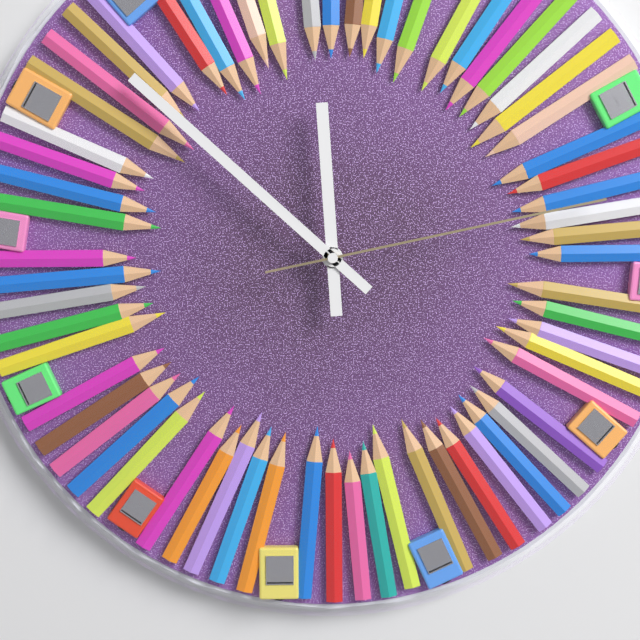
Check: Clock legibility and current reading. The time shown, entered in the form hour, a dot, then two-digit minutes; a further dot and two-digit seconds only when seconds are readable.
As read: 11.52.13
